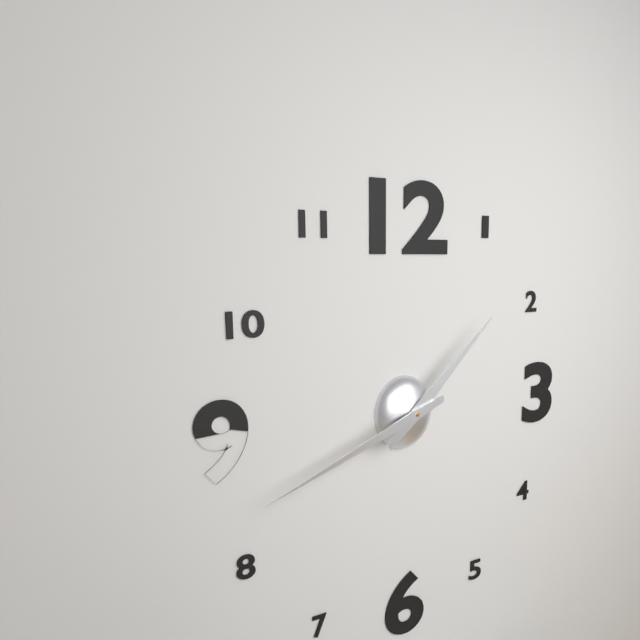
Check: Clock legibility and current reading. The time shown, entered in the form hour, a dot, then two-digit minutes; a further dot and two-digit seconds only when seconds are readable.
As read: 1.42
